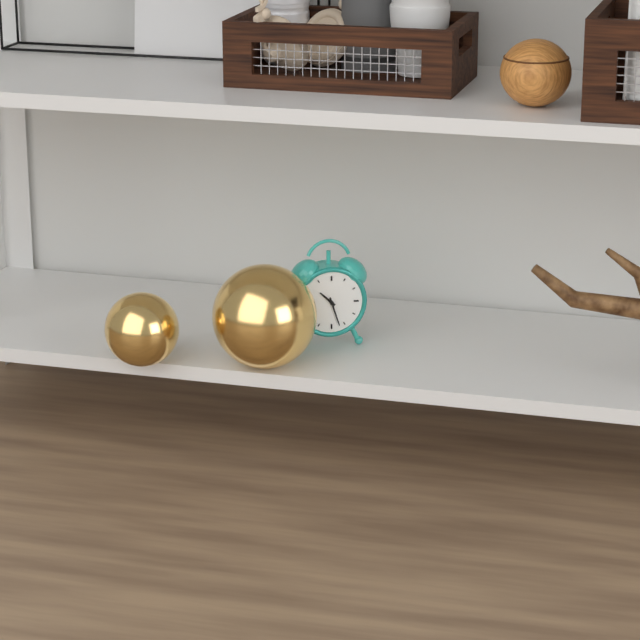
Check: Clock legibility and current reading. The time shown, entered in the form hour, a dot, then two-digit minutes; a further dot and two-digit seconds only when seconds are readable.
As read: 10.27
